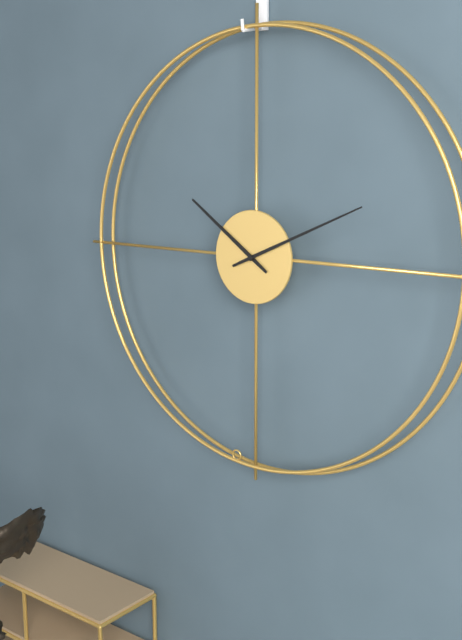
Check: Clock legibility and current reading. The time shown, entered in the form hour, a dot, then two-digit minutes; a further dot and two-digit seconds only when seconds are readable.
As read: 10.11
